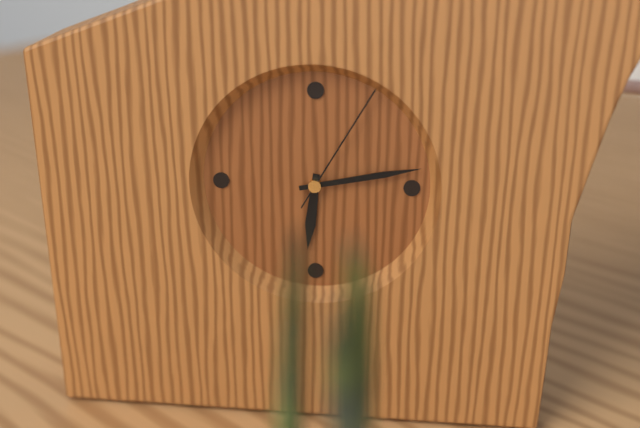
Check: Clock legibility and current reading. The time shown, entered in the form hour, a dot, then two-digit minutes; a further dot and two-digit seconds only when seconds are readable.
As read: 6.13.05
